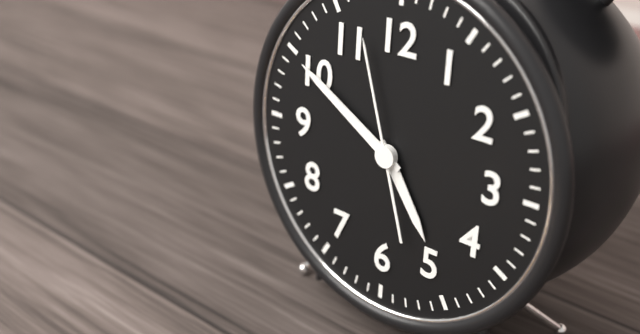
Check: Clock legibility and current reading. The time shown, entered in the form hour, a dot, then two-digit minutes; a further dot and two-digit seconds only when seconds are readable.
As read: 4.50.57
